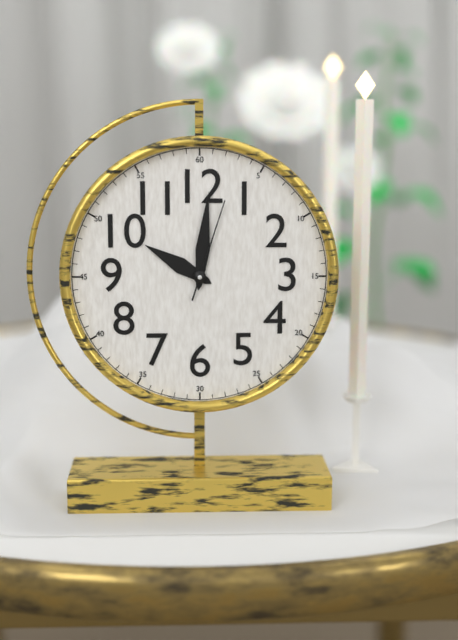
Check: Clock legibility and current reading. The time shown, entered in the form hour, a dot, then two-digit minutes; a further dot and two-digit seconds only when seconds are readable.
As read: 10.01.03
